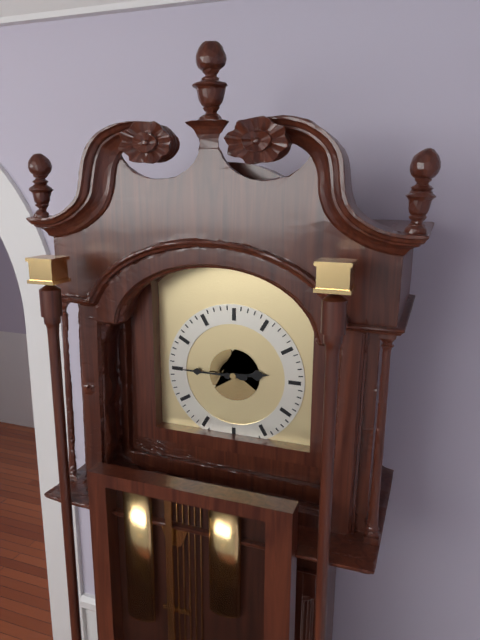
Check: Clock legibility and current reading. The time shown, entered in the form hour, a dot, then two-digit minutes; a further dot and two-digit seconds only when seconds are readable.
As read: 2.45
